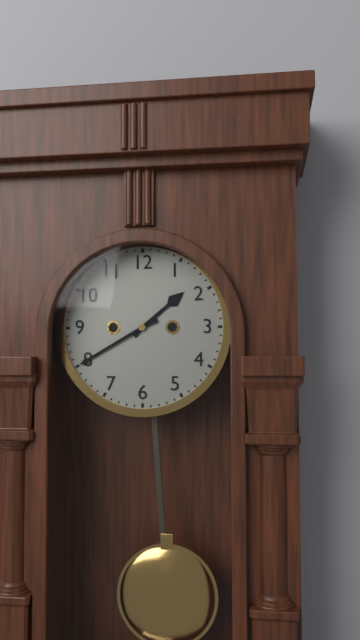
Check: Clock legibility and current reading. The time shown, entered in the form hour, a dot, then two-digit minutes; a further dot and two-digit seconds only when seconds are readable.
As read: 1.40
